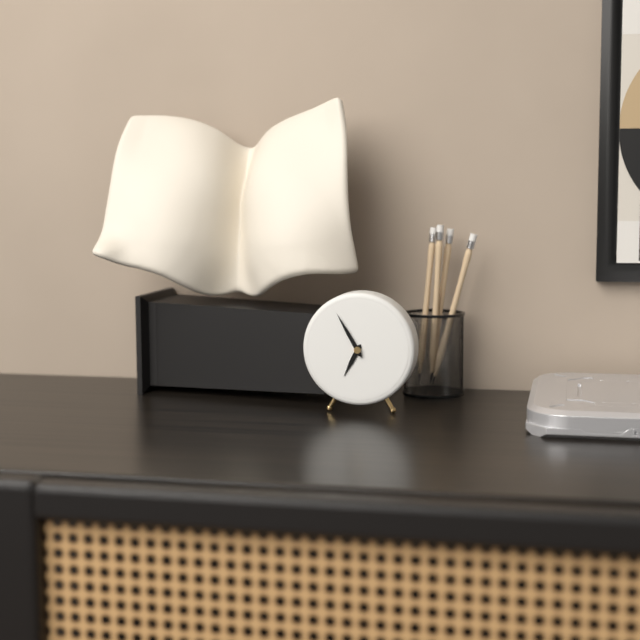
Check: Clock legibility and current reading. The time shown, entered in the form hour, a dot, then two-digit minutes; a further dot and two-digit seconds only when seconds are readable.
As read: 6.55
